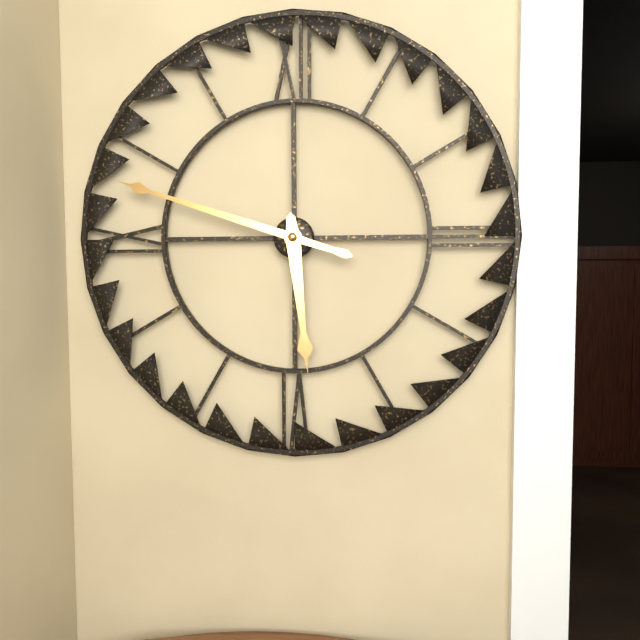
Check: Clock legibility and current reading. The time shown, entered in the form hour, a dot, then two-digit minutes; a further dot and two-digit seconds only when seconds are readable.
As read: 5.48
